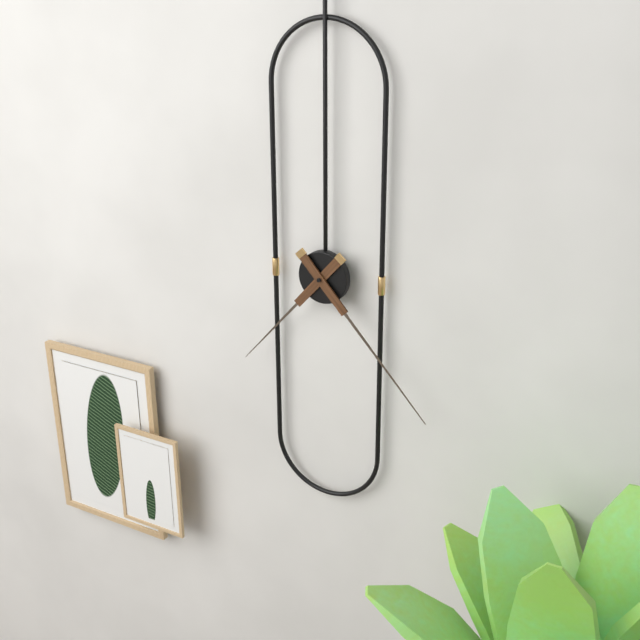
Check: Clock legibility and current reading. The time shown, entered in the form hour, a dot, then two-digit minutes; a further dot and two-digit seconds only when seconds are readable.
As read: 7.23
